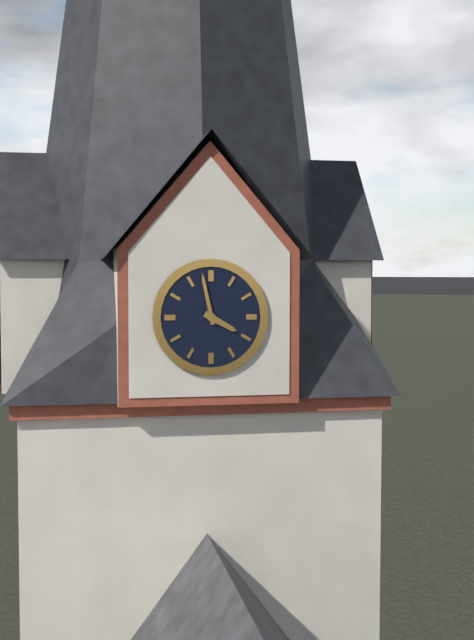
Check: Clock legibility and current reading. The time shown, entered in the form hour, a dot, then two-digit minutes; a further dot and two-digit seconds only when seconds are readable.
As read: 3.58
